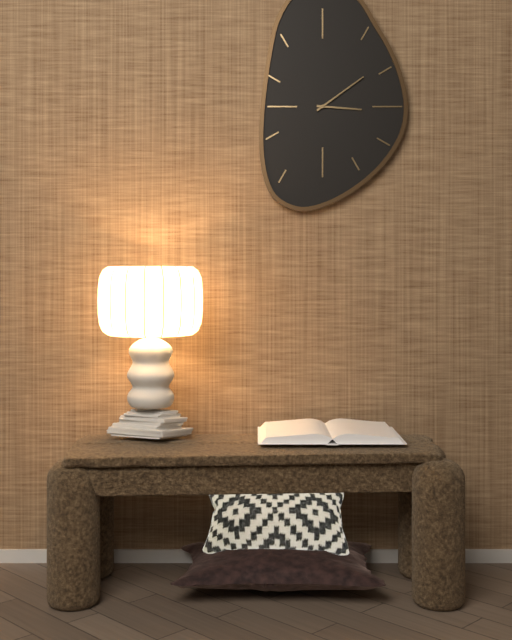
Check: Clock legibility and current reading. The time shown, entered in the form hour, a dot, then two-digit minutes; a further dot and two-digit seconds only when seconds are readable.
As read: 3.09
